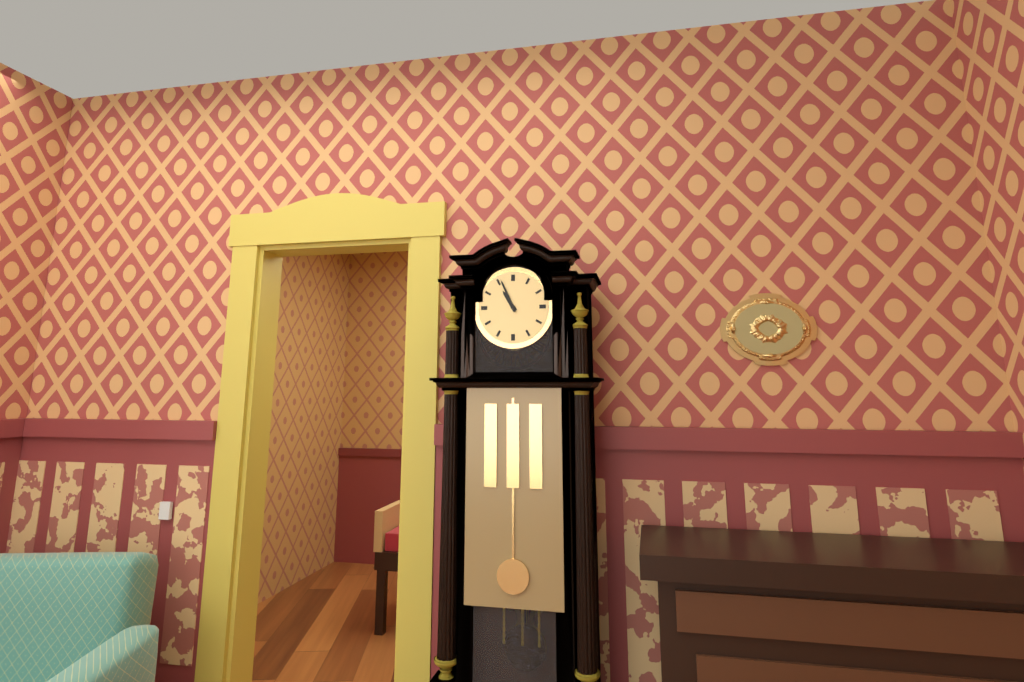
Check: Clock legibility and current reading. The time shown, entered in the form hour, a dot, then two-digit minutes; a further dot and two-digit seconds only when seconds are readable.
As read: 10.56
